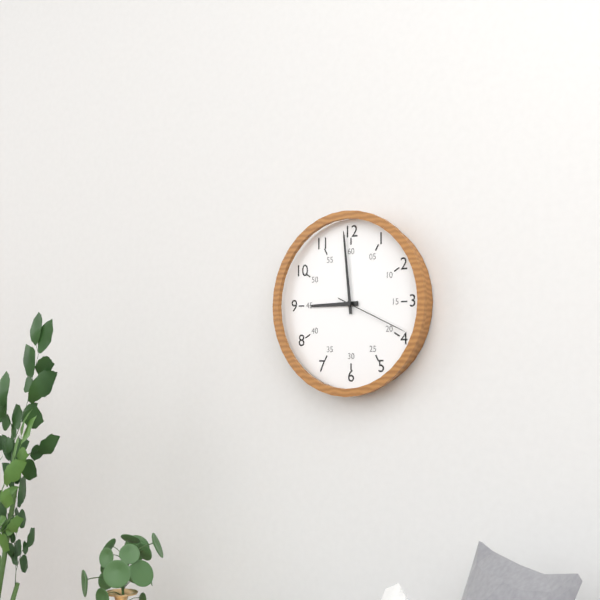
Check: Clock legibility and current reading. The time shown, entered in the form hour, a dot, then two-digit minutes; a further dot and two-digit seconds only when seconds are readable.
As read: 8.59.19
